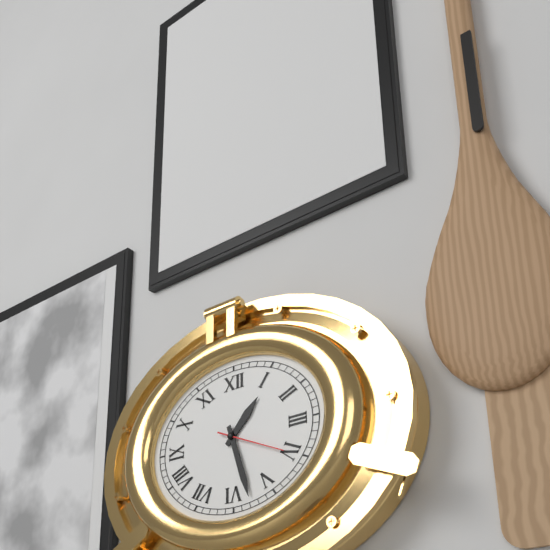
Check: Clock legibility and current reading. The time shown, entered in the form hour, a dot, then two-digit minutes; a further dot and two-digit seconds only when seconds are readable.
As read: 1.27.19
